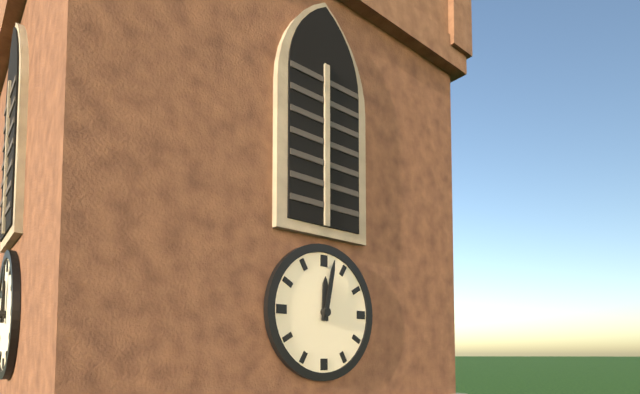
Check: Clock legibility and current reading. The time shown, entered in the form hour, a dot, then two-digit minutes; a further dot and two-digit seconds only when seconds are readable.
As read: 12.02
